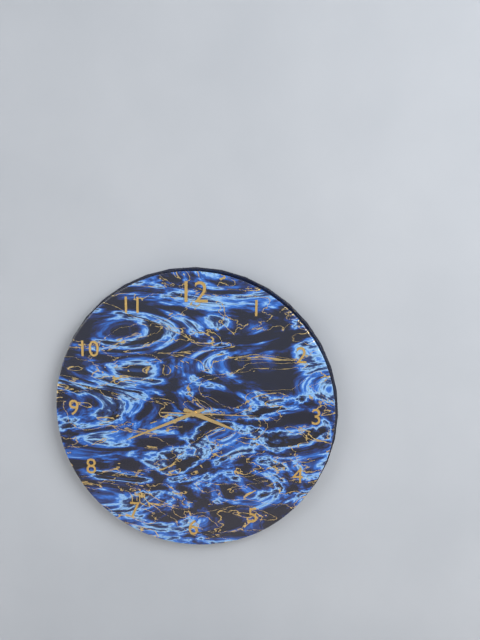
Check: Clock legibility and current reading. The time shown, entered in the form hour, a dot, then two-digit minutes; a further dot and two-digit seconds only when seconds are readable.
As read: 3.41.15
